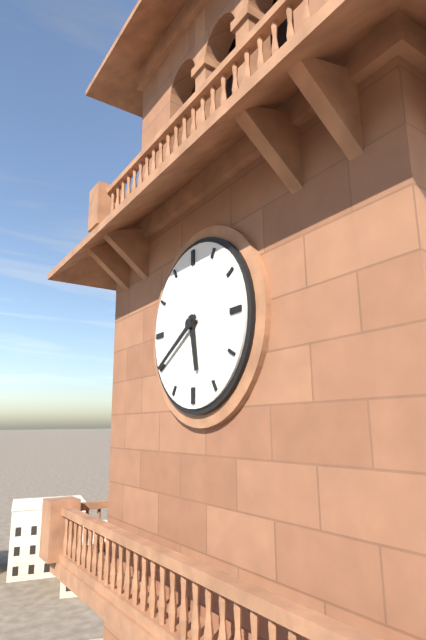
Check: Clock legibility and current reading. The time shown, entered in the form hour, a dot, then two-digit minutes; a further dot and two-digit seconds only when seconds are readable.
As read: 5.40
